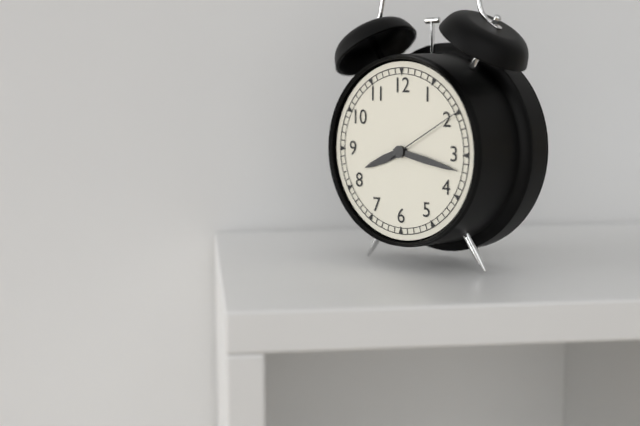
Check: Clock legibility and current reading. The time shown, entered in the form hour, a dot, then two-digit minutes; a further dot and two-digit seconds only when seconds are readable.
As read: 8.17.10
